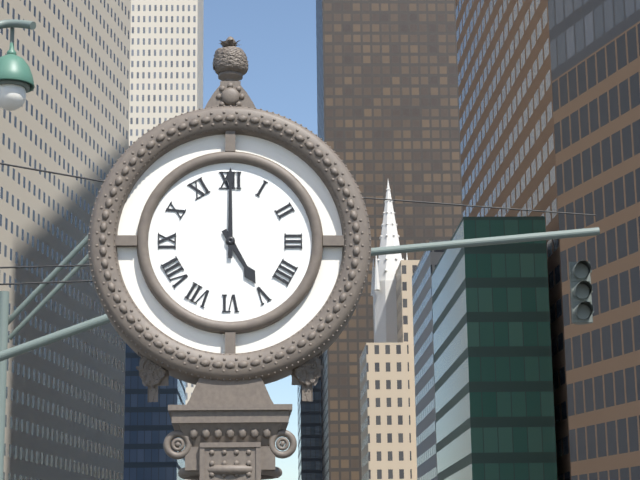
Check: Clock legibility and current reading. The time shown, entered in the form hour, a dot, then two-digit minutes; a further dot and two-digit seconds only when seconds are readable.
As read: 5.00
